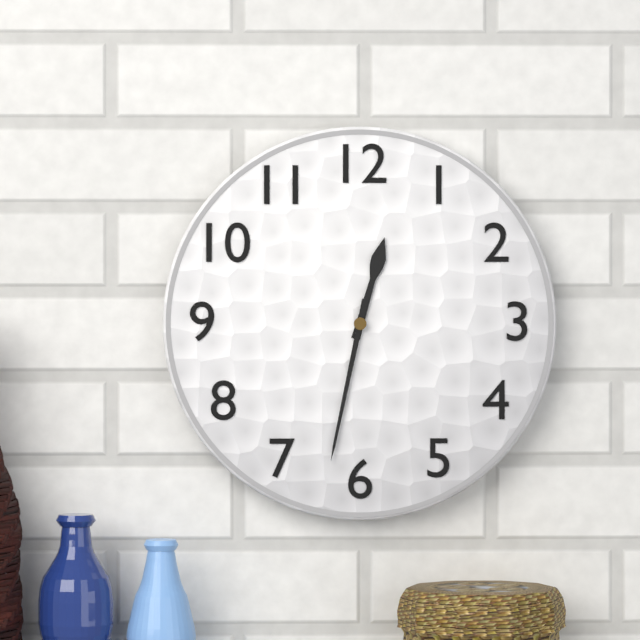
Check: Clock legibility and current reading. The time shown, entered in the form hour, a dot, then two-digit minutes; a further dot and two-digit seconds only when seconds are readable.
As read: 12.32
